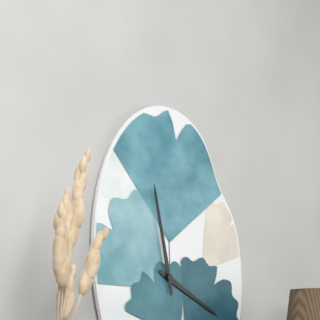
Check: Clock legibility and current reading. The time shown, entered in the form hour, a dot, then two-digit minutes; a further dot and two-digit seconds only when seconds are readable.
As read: 3.58
